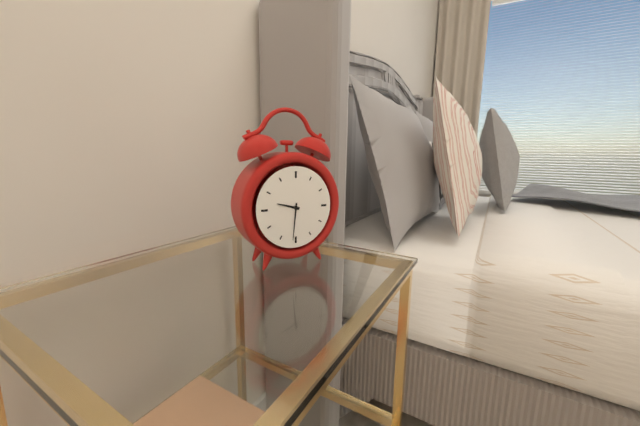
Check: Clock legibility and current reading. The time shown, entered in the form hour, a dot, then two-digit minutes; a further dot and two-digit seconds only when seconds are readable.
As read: 9.31
